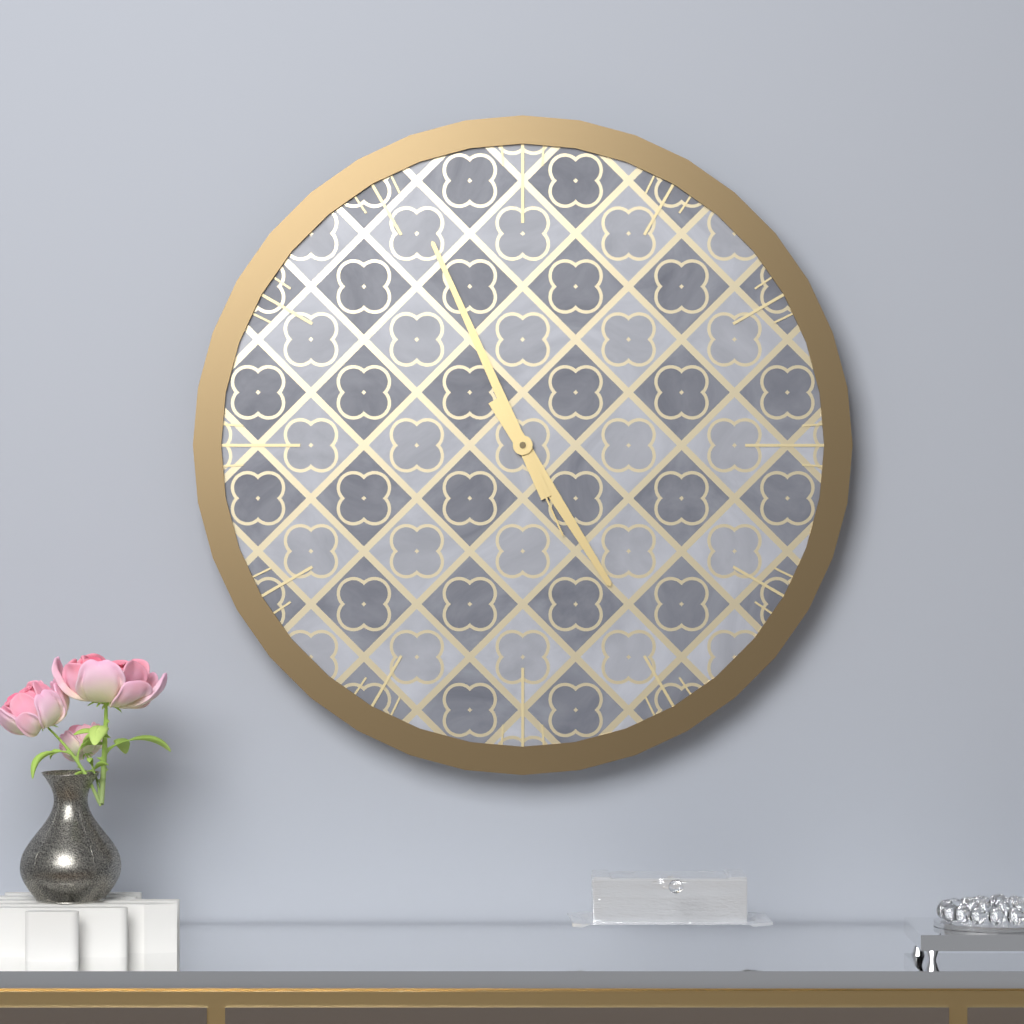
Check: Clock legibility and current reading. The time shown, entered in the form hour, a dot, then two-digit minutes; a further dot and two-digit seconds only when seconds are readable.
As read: 4.56.56
